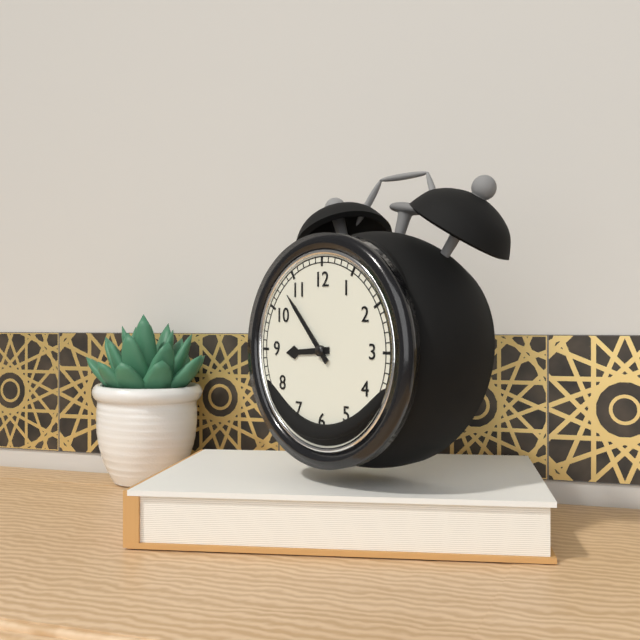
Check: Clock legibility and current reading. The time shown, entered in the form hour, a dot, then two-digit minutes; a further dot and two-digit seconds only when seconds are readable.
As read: 8.53
